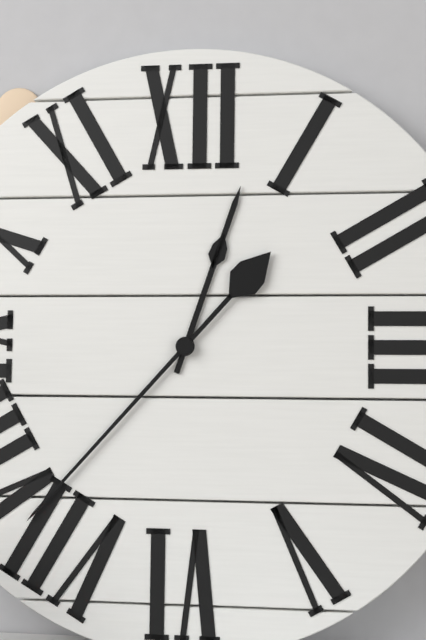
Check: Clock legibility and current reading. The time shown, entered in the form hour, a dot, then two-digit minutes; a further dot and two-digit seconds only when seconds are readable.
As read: 12.37
